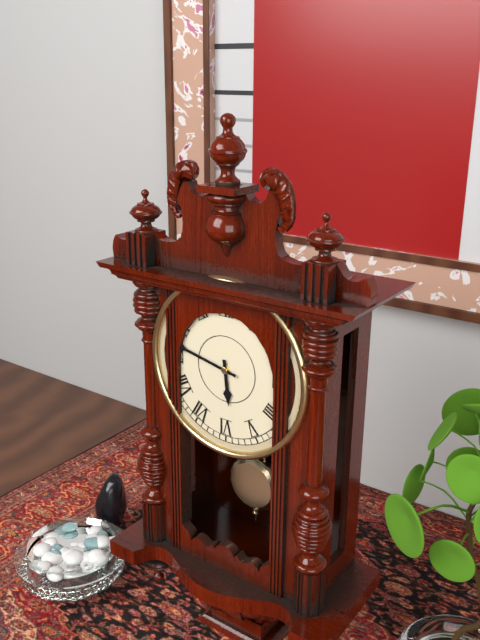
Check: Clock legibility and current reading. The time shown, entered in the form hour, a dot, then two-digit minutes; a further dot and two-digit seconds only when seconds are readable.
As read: 5.47
